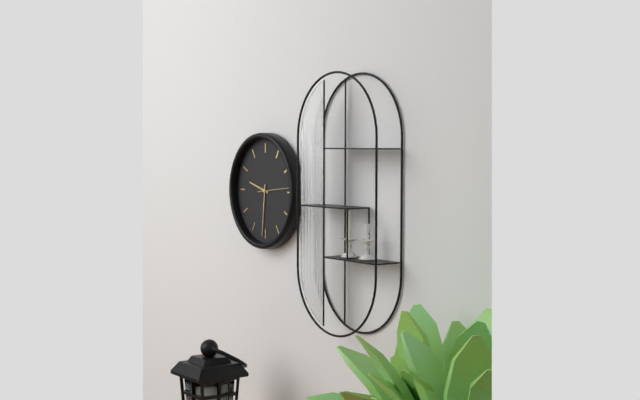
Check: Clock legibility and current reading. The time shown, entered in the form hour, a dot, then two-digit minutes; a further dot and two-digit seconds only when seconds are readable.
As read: 9.31
